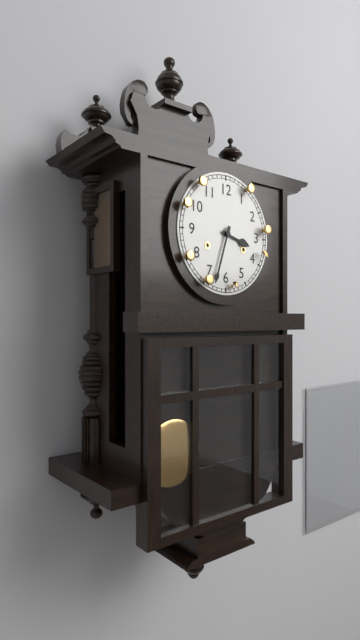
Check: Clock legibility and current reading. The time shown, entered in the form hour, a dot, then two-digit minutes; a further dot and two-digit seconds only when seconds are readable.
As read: 3.33
